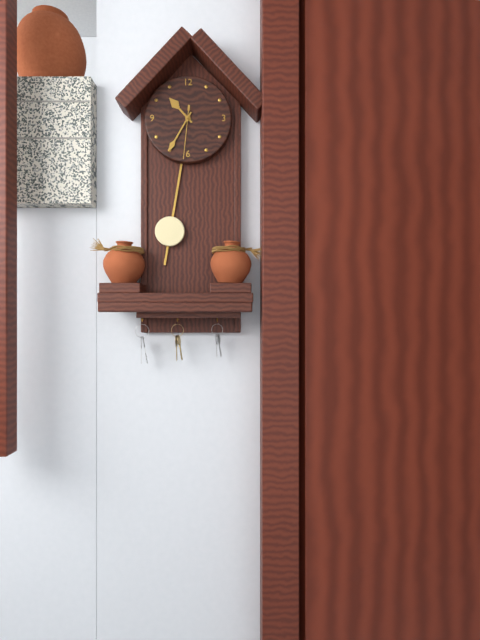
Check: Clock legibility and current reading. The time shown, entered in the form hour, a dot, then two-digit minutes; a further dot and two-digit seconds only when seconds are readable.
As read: 10.35.31
